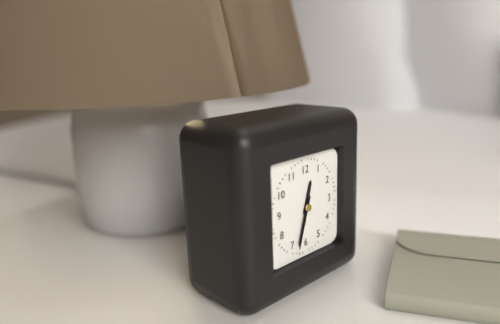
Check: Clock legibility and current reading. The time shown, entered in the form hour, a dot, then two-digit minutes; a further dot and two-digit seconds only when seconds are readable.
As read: 12.33.33
